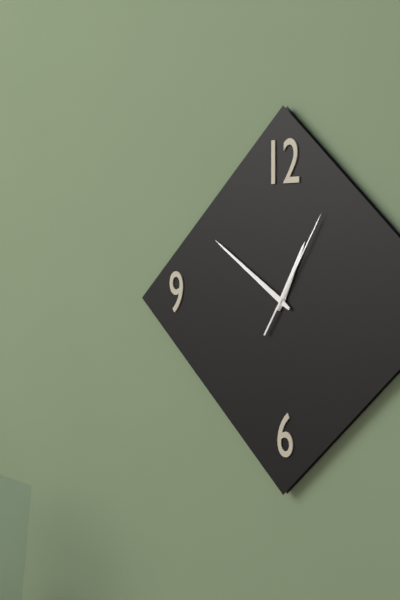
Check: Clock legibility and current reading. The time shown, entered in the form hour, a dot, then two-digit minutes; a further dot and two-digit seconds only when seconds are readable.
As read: 12.51.05
